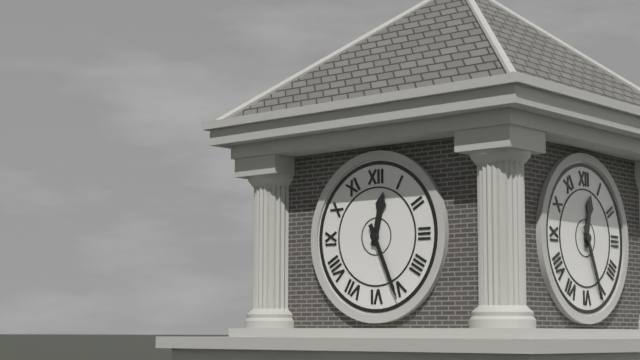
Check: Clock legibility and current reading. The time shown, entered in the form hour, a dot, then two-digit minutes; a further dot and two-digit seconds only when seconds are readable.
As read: 12.26
